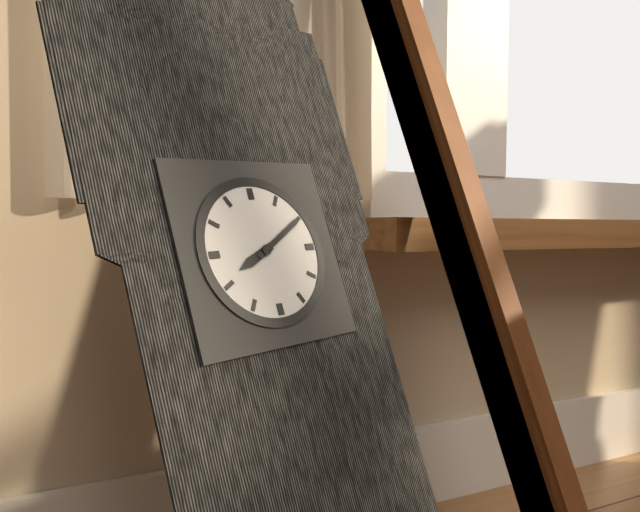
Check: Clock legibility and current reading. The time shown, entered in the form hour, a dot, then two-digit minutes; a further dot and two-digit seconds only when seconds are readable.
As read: 8.10
